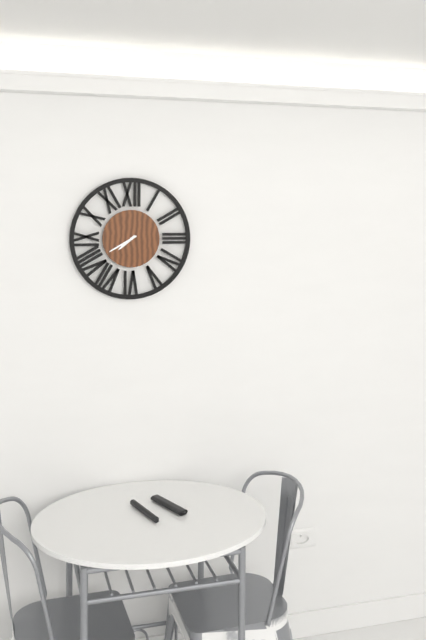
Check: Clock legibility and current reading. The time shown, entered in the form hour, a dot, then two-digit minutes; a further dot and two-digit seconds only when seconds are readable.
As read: 7.40
